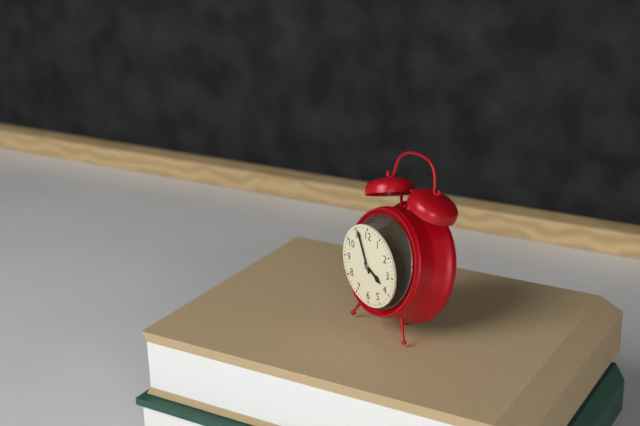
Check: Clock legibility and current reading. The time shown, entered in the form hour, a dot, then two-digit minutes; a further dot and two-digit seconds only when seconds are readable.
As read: 3.56
